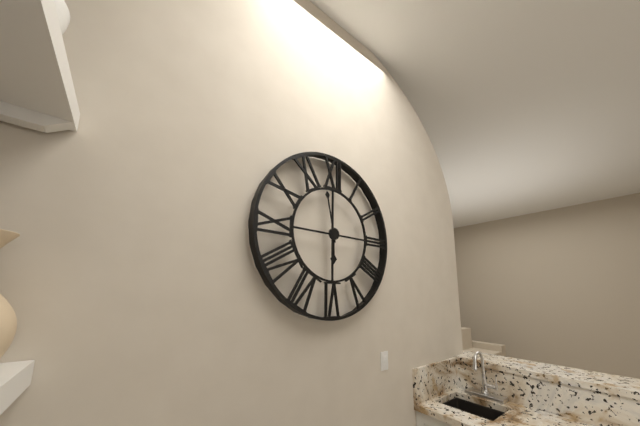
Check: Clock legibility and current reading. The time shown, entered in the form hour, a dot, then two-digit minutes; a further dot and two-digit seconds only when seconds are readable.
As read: 5.58
